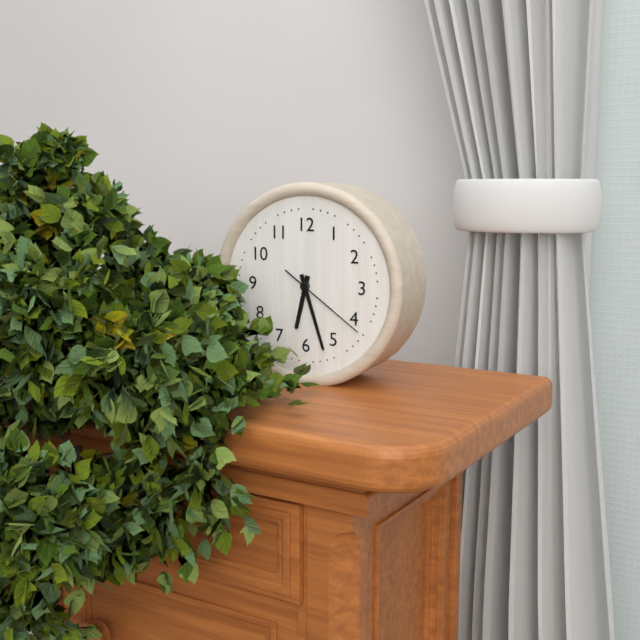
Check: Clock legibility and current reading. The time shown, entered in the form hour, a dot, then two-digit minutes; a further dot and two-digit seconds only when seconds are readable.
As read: 6.27.21
